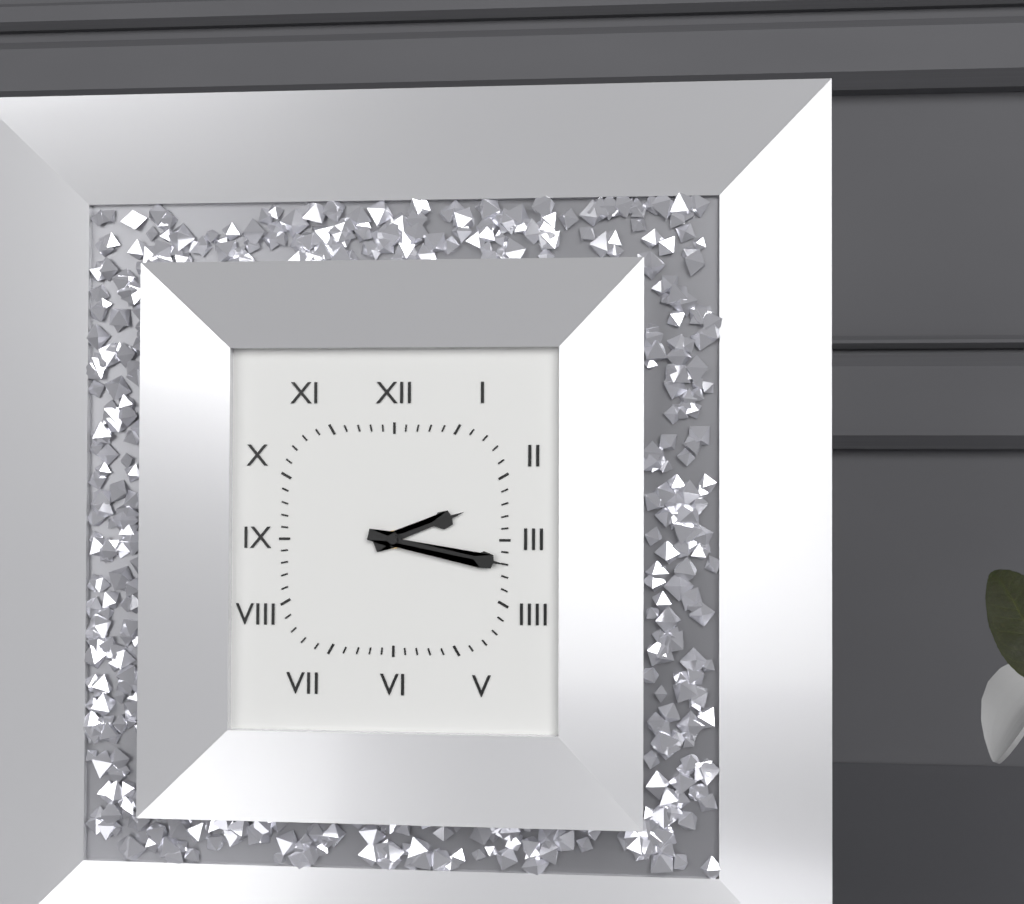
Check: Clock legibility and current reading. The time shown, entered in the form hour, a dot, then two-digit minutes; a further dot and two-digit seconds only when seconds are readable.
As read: 2.17
